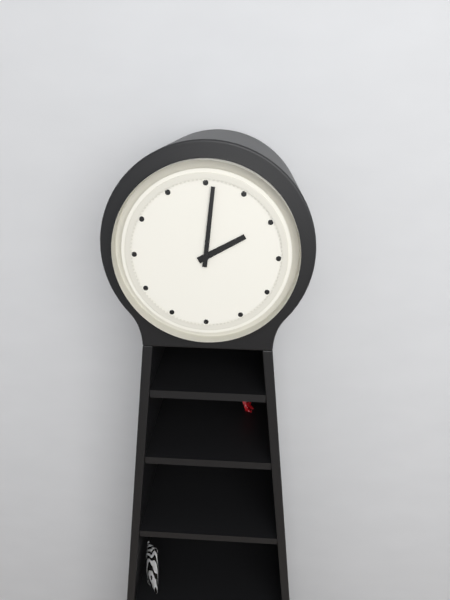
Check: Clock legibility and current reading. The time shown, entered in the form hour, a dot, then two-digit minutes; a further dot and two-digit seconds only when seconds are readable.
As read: 2.01
